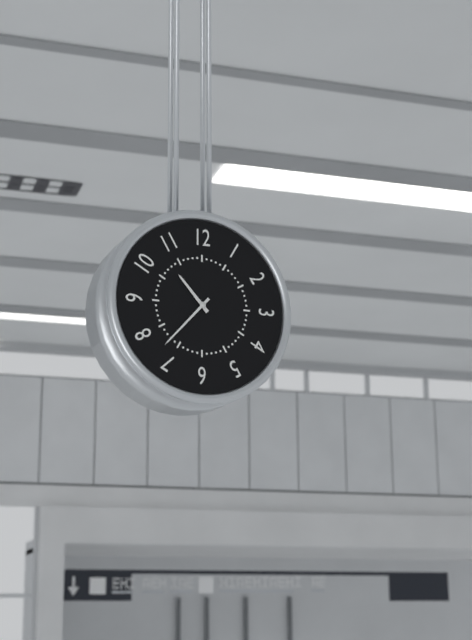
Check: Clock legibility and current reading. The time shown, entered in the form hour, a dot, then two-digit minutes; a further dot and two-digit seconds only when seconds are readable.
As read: 10.37
